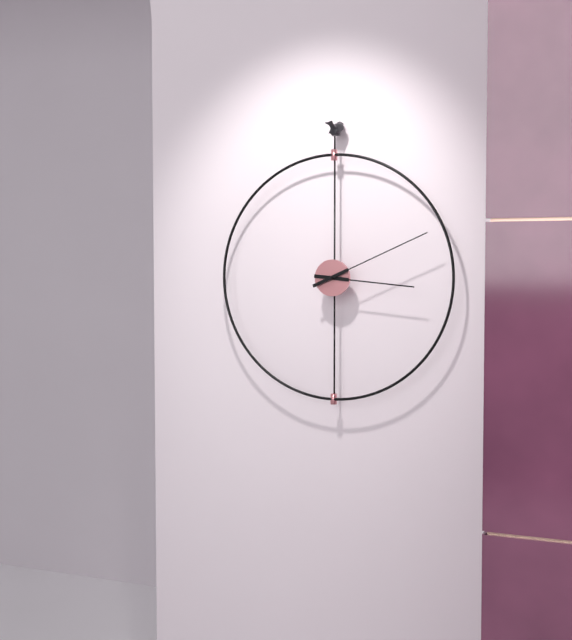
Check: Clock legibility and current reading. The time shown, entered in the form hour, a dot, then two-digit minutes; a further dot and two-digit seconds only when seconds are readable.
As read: 3.11
